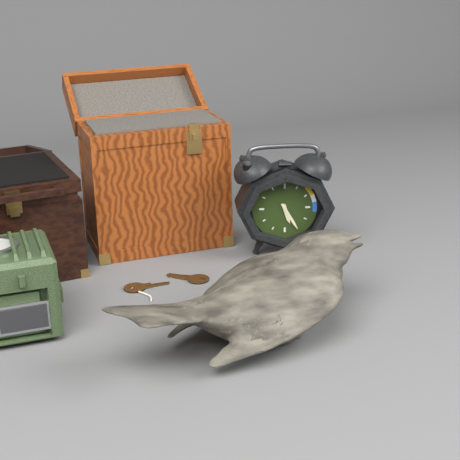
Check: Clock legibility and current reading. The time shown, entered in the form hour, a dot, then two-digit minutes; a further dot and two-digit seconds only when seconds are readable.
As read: 5.25
